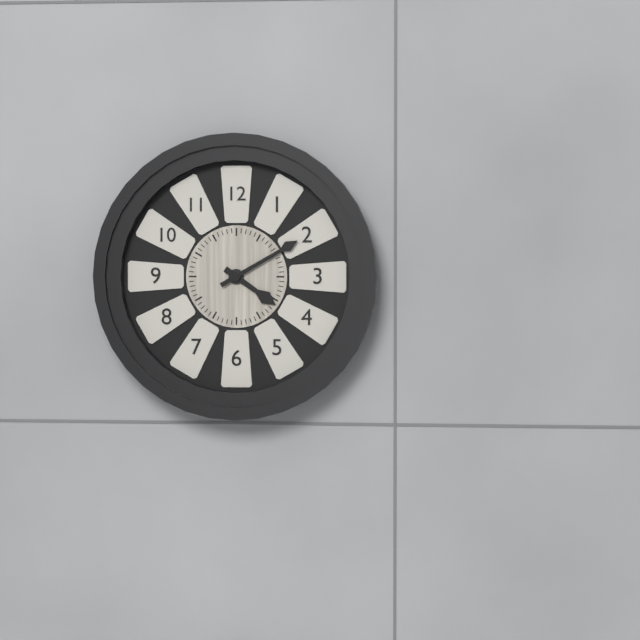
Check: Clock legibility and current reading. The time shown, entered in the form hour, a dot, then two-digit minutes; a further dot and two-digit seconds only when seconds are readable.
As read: 4.10
